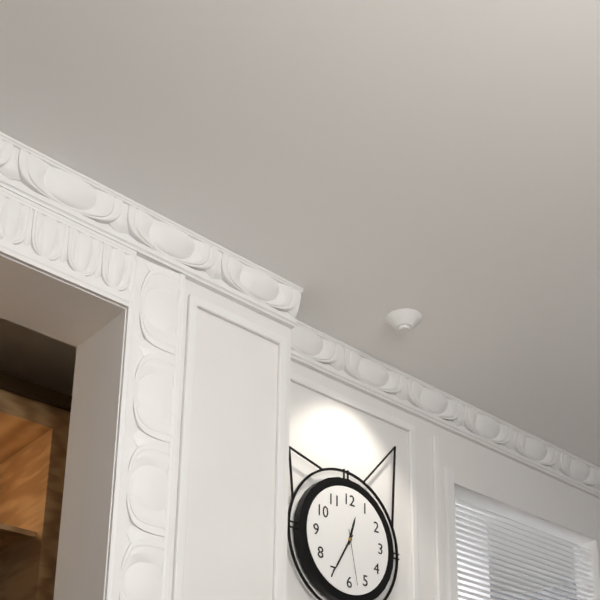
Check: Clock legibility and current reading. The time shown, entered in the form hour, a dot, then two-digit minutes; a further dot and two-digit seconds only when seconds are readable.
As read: 12.35.28
